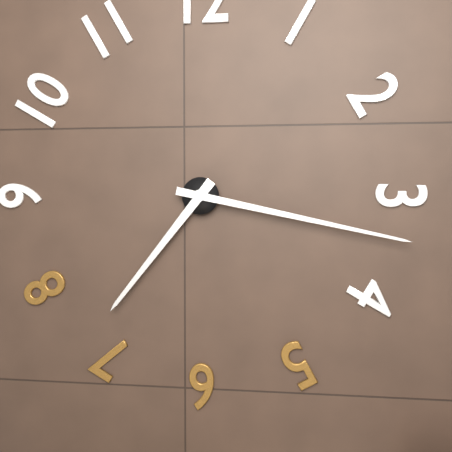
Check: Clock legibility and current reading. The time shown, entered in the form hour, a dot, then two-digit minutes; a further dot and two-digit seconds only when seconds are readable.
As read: 7.17
